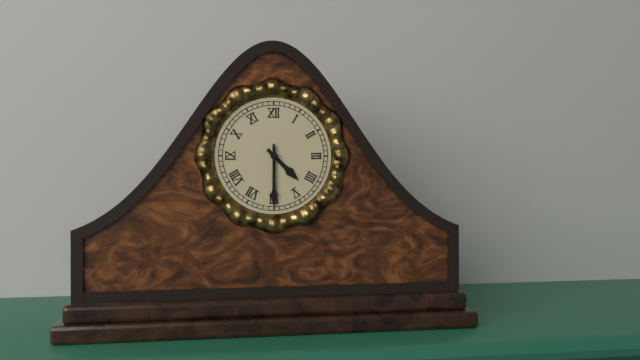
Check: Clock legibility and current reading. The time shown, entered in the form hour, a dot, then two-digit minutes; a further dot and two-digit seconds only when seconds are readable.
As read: 4.30
